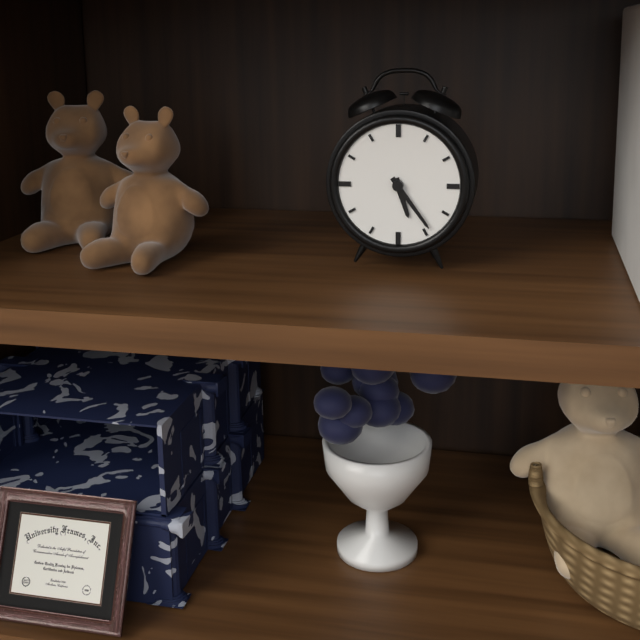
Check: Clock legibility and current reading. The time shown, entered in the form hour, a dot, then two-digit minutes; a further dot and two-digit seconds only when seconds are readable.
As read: 5.24
